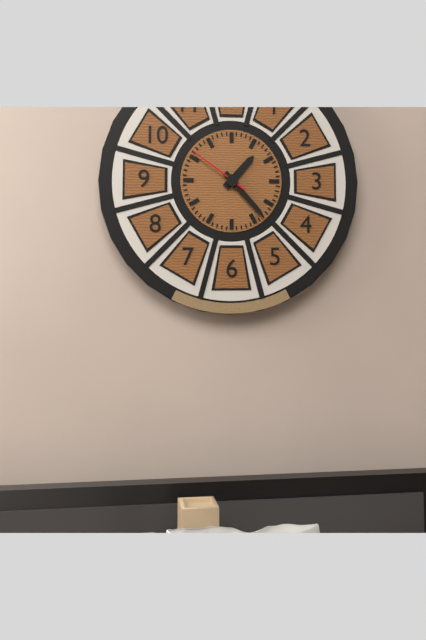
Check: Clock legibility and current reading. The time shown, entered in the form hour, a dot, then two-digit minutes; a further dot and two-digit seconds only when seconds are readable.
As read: 1.23.51
